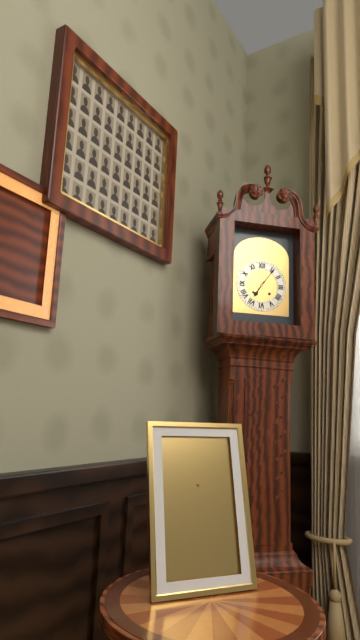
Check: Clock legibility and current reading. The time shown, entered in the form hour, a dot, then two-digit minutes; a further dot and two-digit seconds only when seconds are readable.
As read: 7.06
